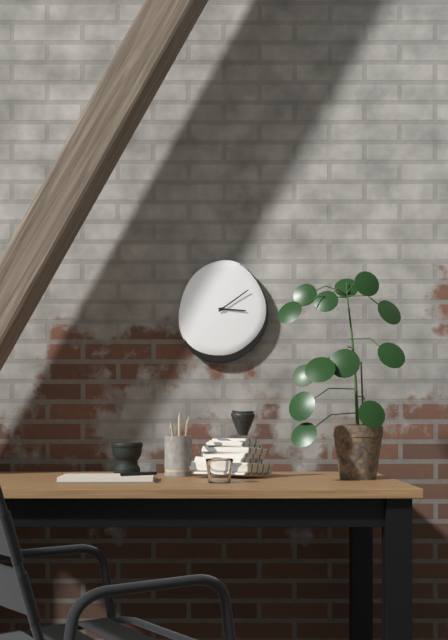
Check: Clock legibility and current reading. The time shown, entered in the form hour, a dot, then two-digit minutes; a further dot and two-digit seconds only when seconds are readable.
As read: 3.09
